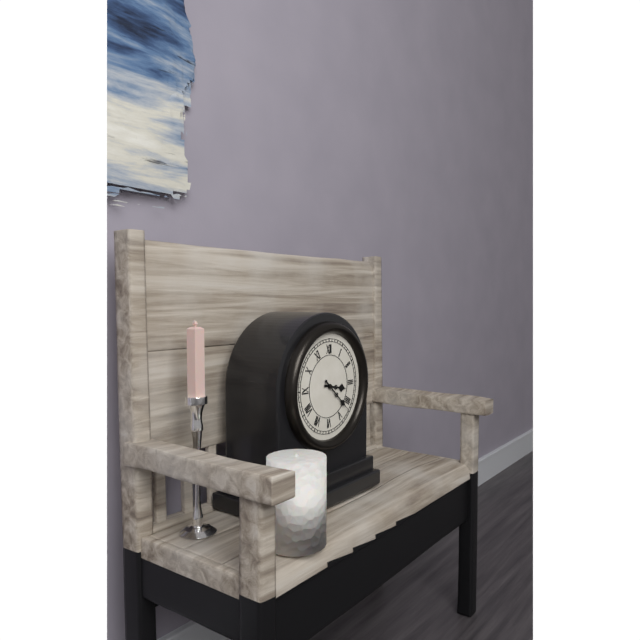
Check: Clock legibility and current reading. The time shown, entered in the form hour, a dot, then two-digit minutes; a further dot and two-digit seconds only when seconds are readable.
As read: 3.22
